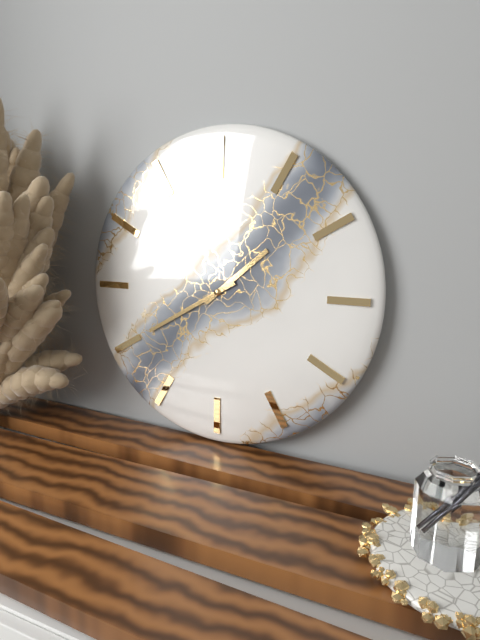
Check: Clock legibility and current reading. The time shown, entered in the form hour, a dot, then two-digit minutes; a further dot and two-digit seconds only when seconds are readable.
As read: 1.40
